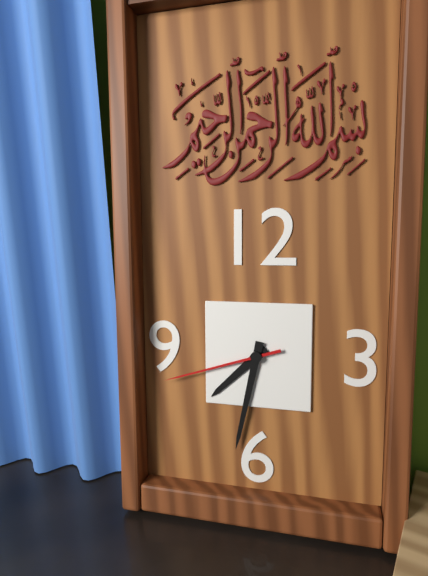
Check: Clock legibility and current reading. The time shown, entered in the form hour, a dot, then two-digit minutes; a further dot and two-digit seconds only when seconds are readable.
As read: 7.32.42
